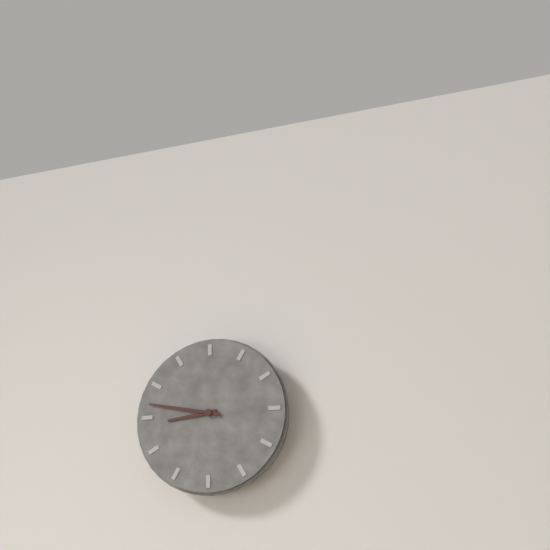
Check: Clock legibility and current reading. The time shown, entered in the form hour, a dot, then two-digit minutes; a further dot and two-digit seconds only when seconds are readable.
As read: 8.47
